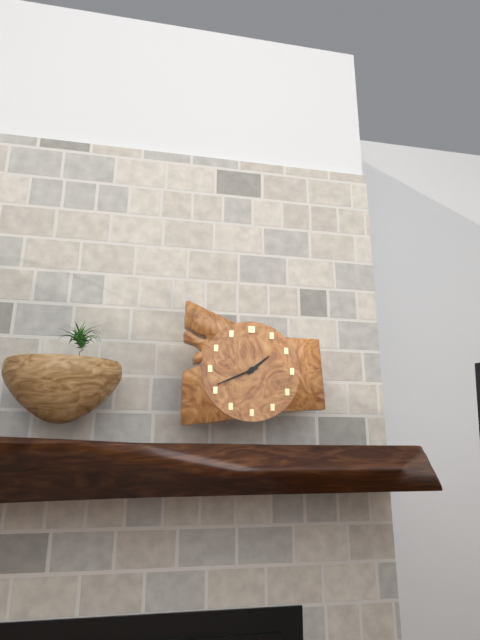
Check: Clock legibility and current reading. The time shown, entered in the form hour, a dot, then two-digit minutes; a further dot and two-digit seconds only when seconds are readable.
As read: 1.41
